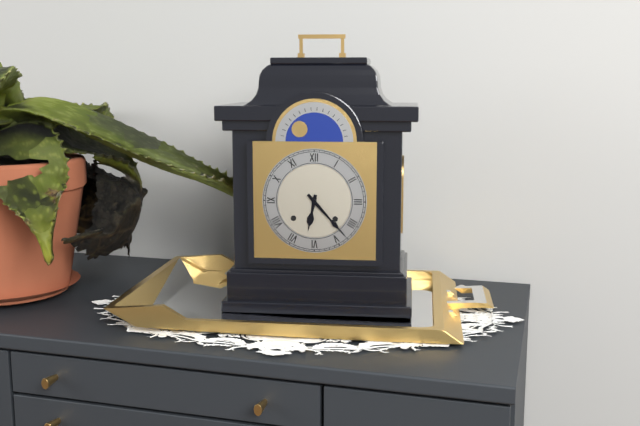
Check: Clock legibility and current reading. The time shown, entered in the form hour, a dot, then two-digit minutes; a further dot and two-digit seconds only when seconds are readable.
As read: 6.23
